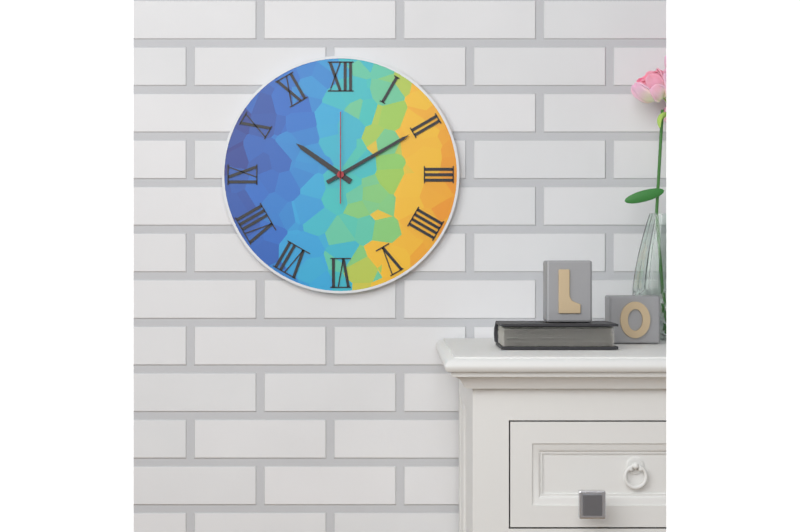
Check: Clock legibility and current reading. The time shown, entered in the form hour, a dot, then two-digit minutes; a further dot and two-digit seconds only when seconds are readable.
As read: 10.10.00
